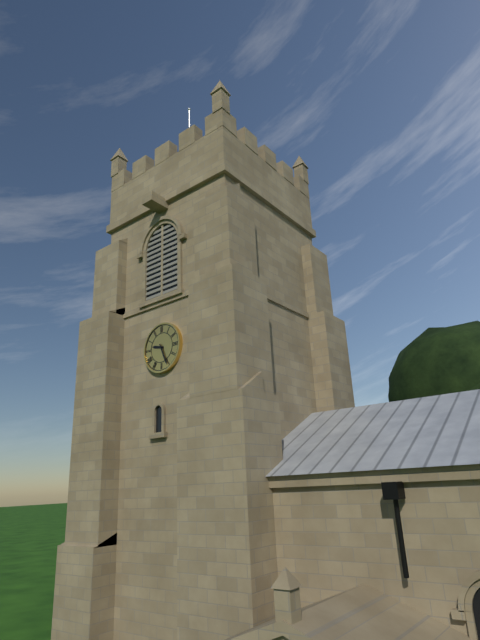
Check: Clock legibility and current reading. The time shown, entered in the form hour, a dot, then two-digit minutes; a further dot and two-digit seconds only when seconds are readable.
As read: 9.26
